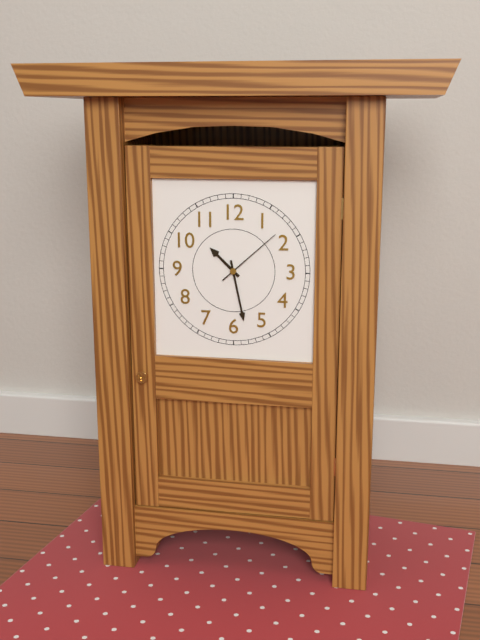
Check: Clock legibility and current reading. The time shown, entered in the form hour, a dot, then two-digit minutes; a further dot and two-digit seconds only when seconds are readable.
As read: 10.28.08
